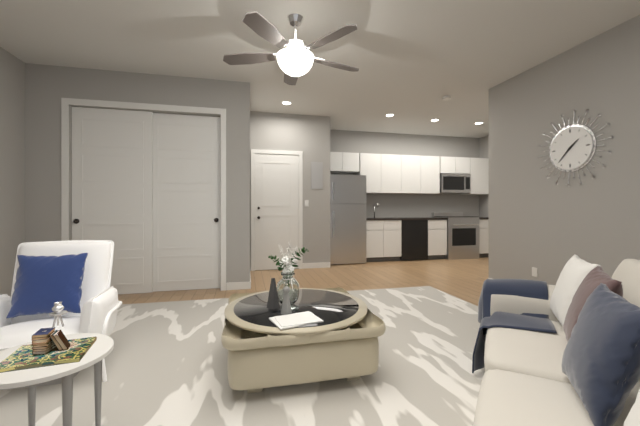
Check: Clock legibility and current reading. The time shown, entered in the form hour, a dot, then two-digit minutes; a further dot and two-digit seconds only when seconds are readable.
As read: 1.37
